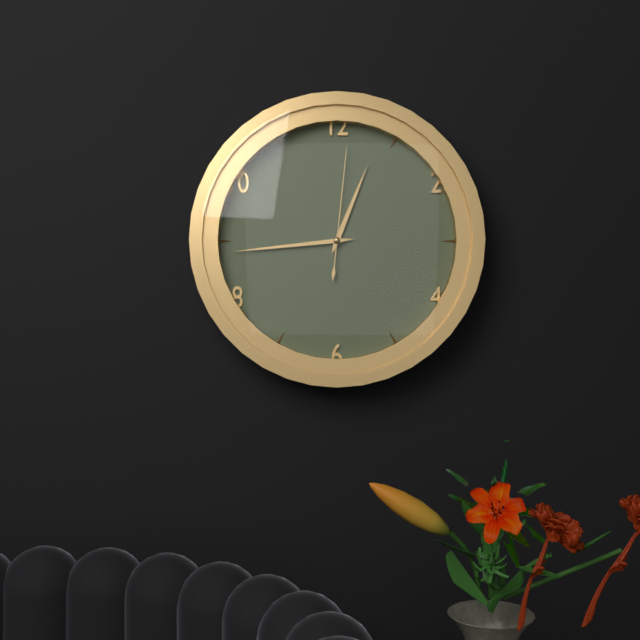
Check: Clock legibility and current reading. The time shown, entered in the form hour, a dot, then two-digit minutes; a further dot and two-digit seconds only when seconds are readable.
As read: 12.44.01
